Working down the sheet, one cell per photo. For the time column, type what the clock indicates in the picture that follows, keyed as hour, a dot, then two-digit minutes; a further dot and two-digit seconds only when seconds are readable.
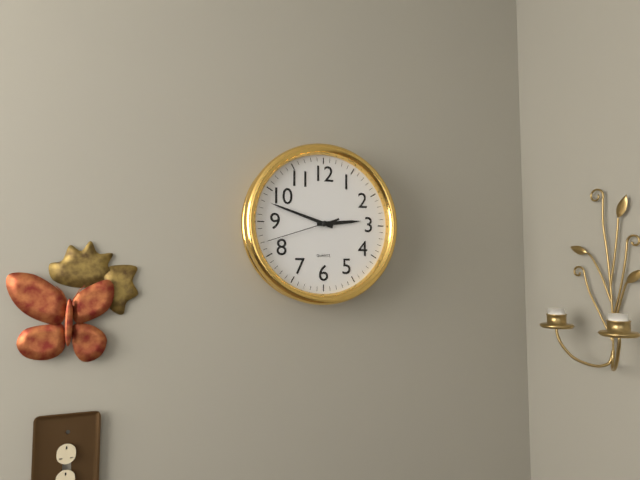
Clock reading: 2.48.42
